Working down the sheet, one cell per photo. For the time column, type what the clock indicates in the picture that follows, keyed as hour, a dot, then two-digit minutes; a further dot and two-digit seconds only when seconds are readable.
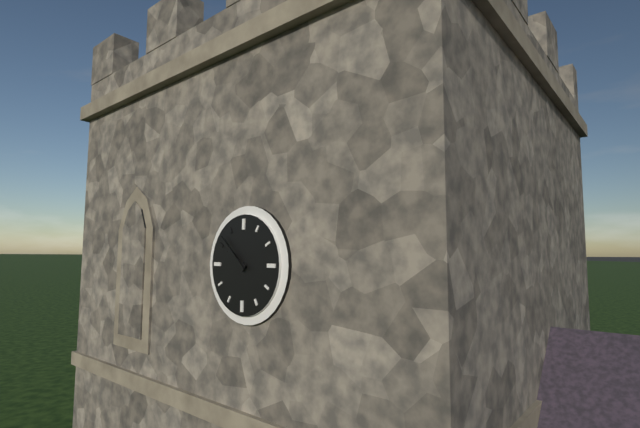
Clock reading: 9.52
